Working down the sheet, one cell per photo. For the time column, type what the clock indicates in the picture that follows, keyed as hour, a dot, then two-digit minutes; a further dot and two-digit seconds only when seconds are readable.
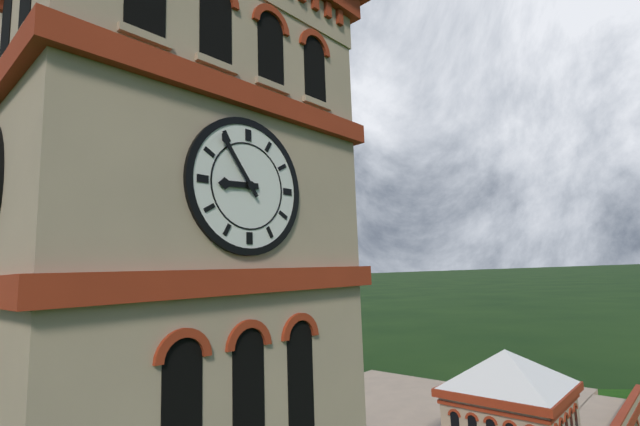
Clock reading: 8.54
